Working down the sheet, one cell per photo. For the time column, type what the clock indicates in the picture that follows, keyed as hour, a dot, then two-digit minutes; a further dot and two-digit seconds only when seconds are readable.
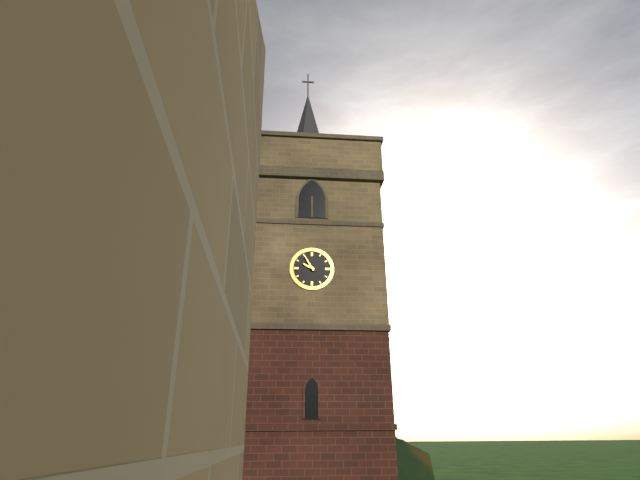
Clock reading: 9.55
